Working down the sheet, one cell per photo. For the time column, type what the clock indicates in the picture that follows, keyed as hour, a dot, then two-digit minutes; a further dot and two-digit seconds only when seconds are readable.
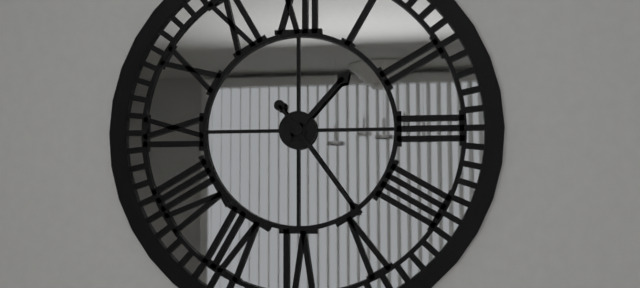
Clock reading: 1.24
